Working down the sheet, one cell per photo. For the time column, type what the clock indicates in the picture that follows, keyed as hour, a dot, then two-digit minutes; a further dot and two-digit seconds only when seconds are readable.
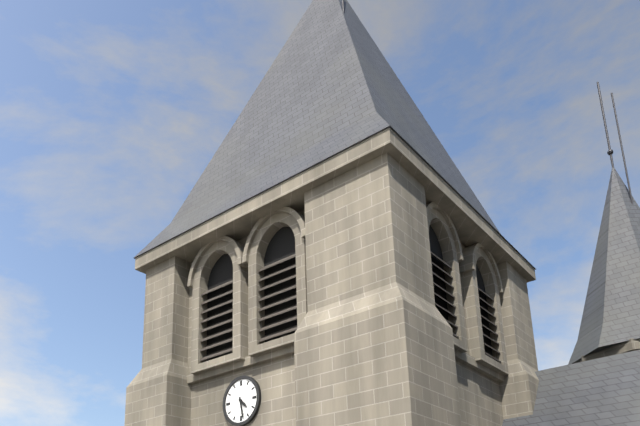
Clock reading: 4.28
